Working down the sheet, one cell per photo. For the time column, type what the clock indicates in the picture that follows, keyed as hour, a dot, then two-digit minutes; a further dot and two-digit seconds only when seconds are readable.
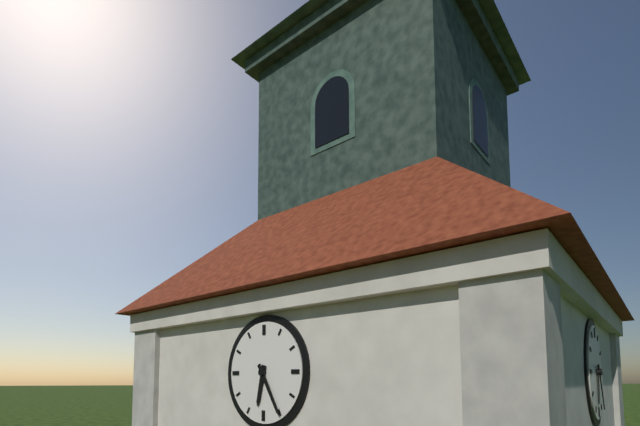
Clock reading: 6.25
